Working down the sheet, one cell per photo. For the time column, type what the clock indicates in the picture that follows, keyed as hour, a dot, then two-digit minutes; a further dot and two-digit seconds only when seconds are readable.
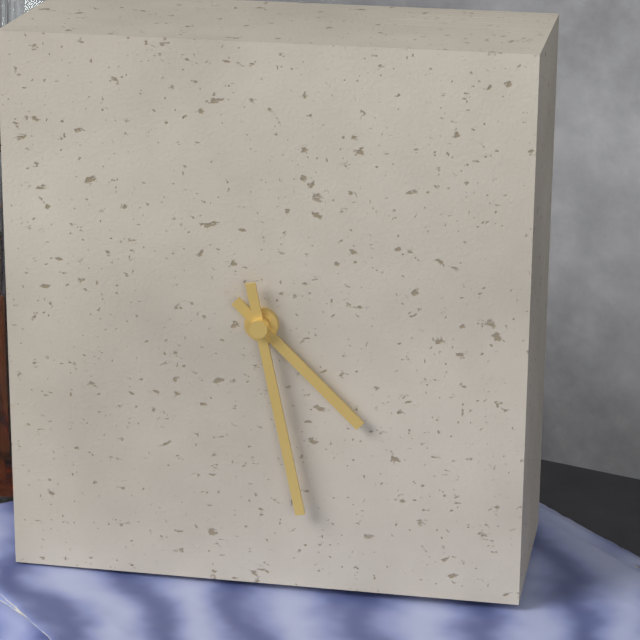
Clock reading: 4.28
